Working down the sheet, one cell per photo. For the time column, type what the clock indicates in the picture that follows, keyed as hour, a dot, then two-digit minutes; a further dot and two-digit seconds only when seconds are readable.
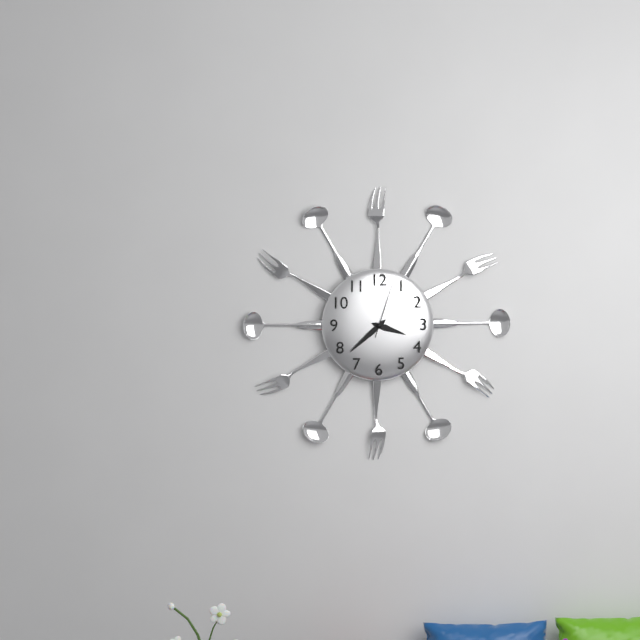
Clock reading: 3.38.03
